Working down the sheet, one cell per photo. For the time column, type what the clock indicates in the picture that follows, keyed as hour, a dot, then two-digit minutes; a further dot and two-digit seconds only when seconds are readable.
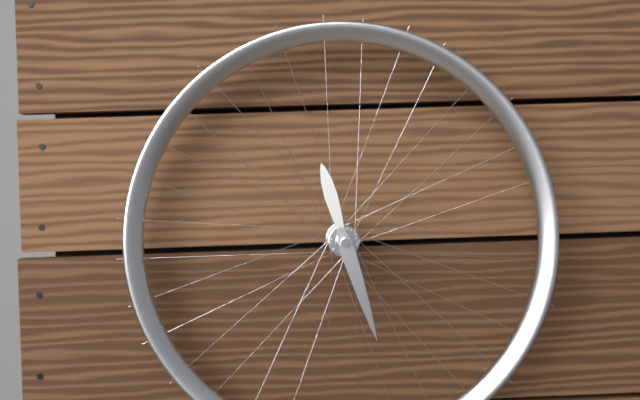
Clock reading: 11.27
